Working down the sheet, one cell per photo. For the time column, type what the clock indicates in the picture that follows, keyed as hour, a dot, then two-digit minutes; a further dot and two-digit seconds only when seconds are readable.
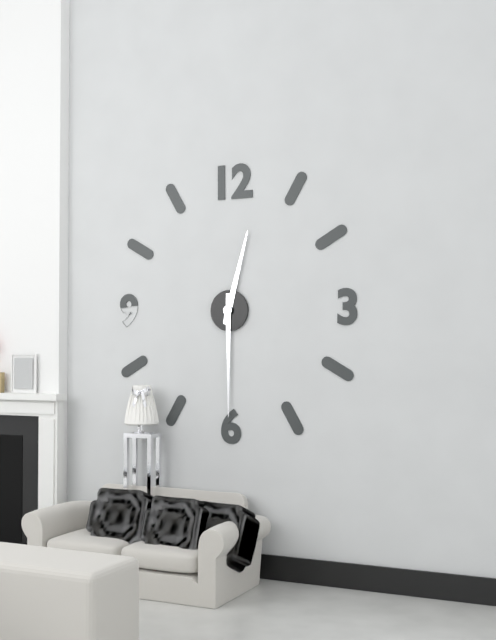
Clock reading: 12.30
